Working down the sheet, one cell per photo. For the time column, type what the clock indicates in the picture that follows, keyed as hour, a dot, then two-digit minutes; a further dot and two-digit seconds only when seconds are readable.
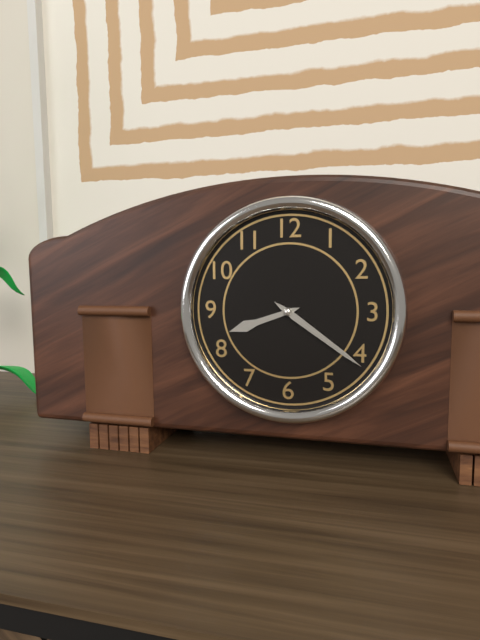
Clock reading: 8.21
